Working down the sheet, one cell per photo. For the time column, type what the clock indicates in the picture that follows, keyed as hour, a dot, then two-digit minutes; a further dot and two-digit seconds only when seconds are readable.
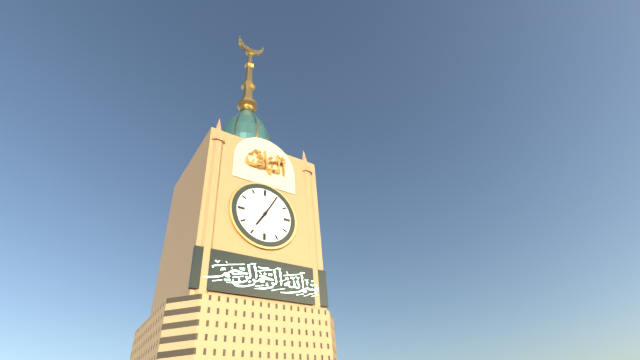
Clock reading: 7.05
